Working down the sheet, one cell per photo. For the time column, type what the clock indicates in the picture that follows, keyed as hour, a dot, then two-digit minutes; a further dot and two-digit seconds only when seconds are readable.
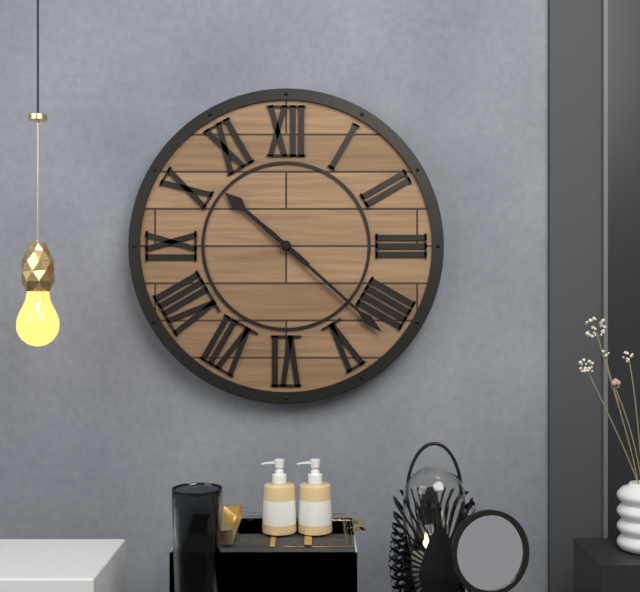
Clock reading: 10.22
